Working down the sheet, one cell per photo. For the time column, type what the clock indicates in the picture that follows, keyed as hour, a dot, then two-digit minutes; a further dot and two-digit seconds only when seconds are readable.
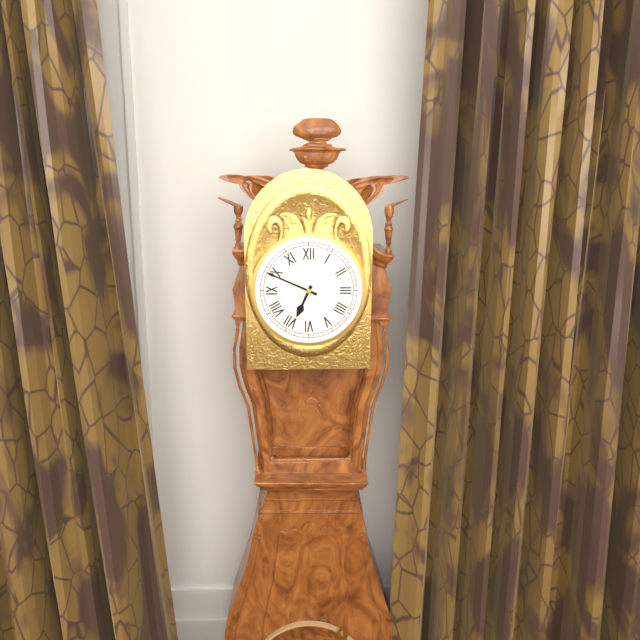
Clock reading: 6.49
